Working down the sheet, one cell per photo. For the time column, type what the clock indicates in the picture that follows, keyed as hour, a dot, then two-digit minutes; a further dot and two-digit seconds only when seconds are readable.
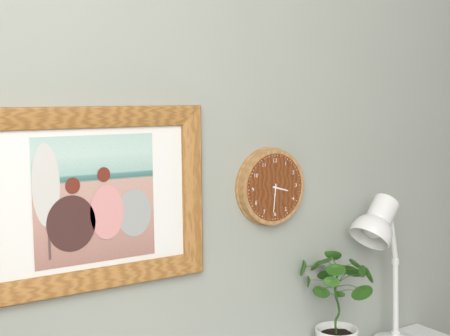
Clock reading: 3.31
